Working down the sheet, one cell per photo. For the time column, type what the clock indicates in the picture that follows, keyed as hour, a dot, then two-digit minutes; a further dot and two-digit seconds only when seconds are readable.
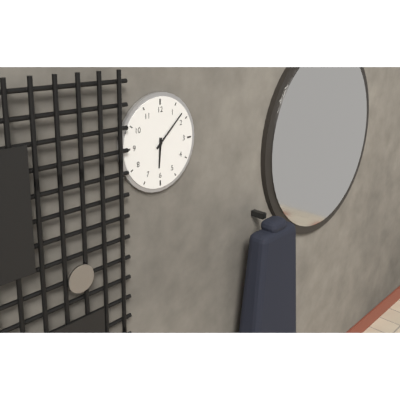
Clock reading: 6.08
